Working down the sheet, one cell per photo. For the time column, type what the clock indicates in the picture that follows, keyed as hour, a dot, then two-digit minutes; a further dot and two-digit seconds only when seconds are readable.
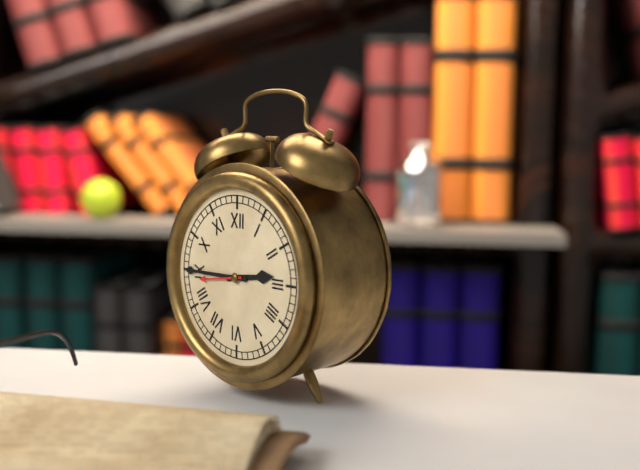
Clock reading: 2.45
